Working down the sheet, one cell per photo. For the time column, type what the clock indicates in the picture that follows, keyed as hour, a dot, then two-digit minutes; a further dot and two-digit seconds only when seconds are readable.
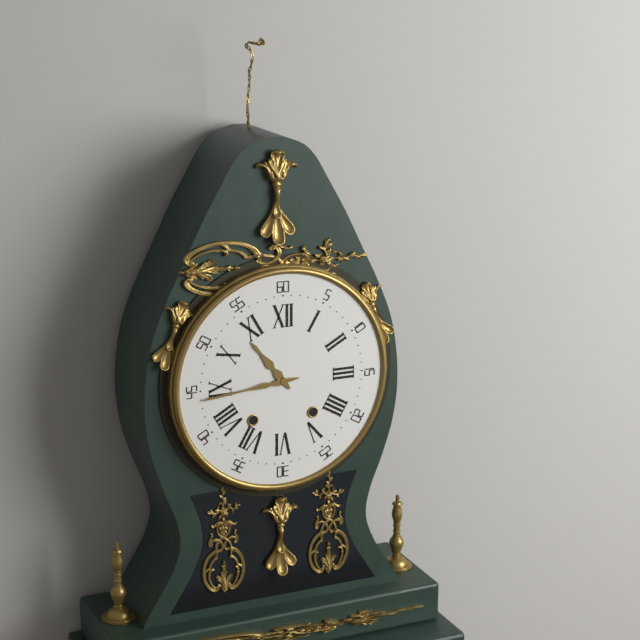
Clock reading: 10.44
